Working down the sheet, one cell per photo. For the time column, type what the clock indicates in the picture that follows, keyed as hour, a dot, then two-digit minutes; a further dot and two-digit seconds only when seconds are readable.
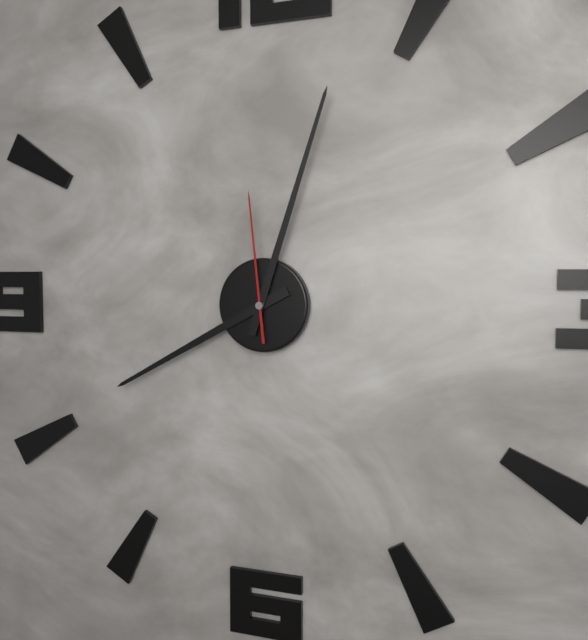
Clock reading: 8.03.59
